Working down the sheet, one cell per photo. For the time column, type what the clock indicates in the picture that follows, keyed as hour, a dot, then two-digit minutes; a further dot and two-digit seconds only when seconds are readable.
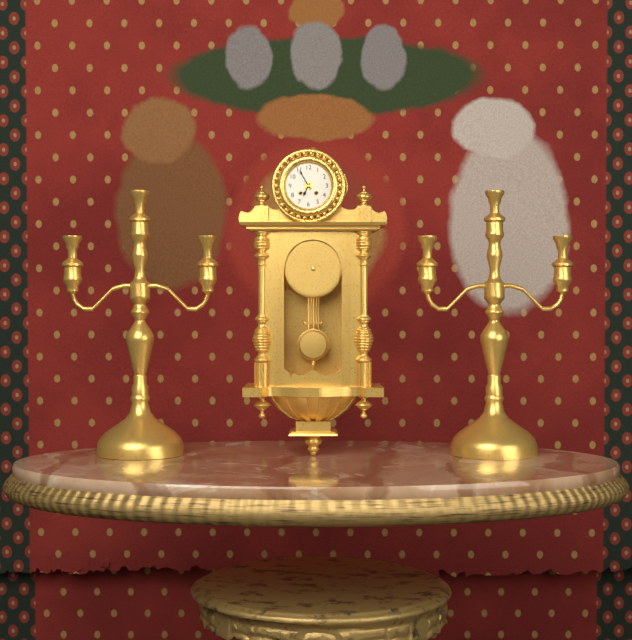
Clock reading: 6.55
